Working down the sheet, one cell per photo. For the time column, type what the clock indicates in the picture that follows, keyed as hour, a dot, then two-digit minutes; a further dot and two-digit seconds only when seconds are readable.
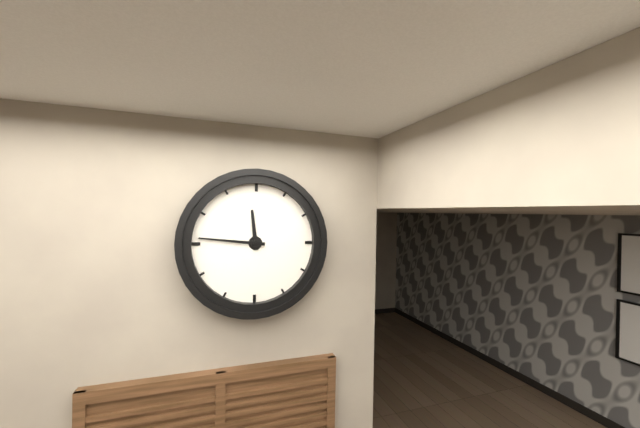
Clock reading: 11.46
